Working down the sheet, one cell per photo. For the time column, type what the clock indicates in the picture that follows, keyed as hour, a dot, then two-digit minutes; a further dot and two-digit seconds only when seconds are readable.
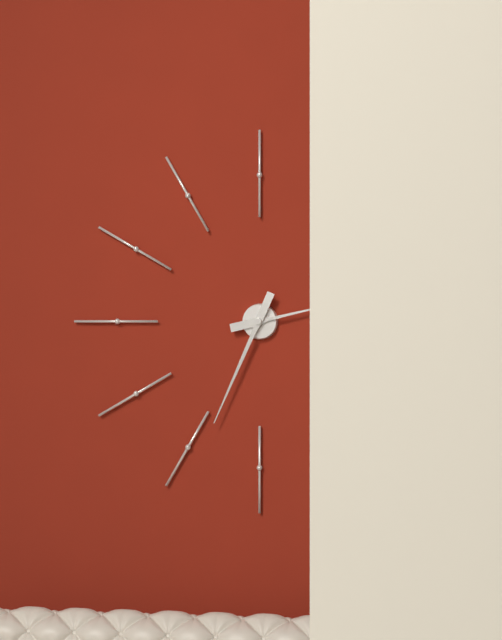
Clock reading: 2.34
